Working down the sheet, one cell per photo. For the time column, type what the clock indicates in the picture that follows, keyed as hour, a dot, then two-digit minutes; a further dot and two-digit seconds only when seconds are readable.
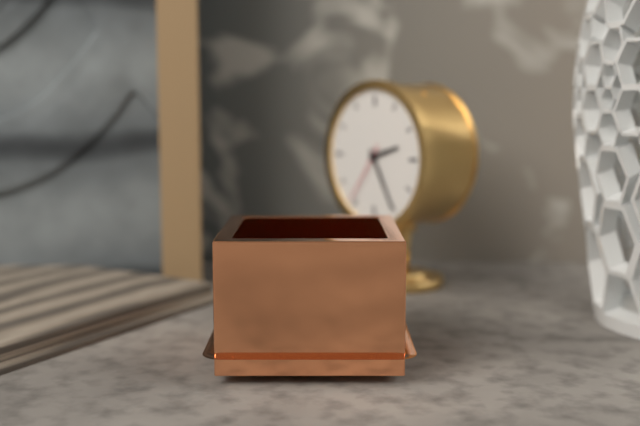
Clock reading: 2.25.36
